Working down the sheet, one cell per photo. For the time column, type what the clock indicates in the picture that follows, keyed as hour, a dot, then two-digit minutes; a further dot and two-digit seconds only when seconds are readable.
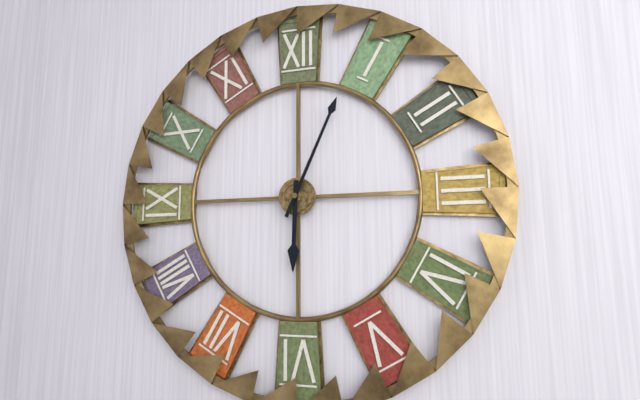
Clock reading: 6.04
